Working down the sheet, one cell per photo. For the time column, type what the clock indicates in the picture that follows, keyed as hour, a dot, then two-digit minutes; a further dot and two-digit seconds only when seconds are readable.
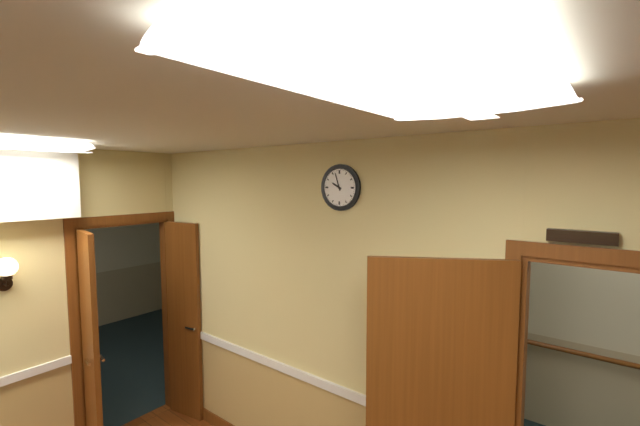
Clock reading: 9.57
